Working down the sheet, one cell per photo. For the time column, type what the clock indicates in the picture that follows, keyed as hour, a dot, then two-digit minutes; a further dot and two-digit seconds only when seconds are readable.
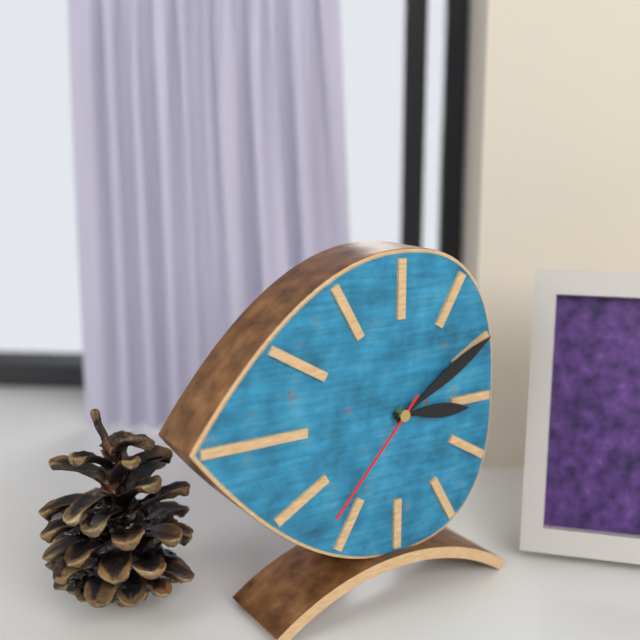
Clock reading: 3.10.37
